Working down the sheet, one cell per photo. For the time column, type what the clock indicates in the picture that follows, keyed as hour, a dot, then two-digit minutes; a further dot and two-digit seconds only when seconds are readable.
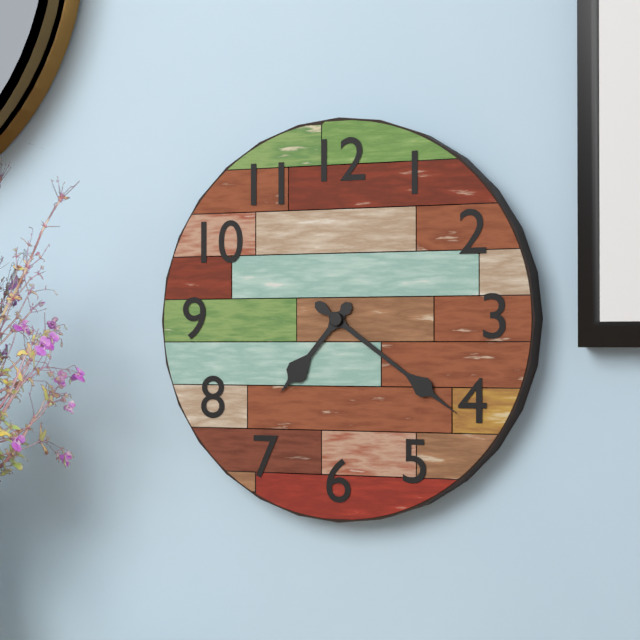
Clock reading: 7.21
